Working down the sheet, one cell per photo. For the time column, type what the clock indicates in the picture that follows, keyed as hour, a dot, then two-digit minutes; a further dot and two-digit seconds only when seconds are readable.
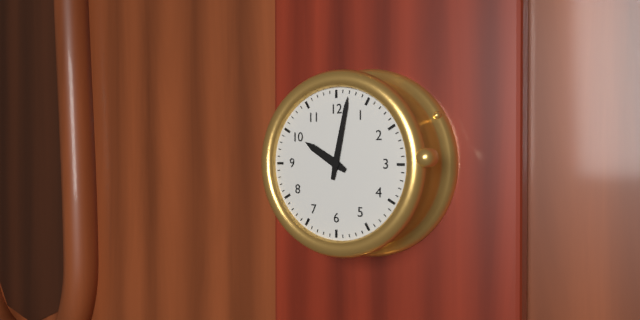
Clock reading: 10.02
